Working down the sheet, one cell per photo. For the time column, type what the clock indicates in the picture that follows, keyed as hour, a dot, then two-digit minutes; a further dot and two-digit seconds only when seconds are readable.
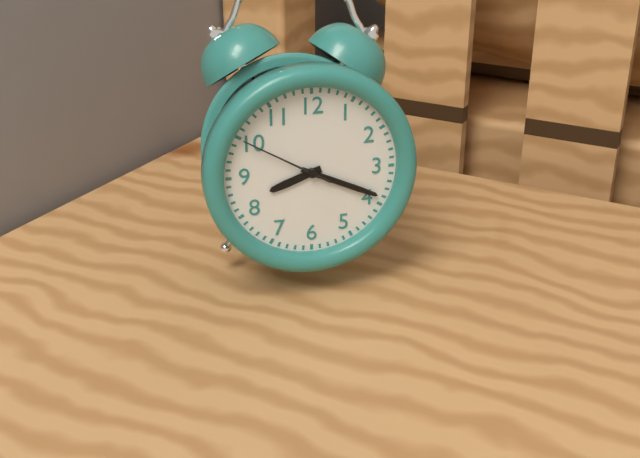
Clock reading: 8.19.50
